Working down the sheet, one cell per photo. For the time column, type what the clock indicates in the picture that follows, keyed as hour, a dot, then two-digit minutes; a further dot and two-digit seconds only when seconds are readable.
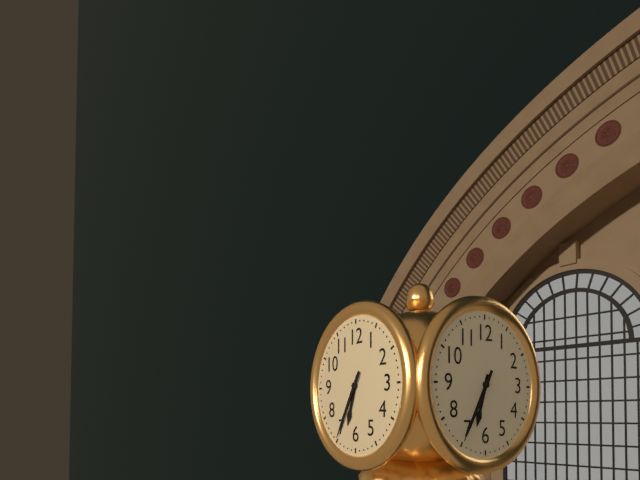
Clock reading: 6.35
